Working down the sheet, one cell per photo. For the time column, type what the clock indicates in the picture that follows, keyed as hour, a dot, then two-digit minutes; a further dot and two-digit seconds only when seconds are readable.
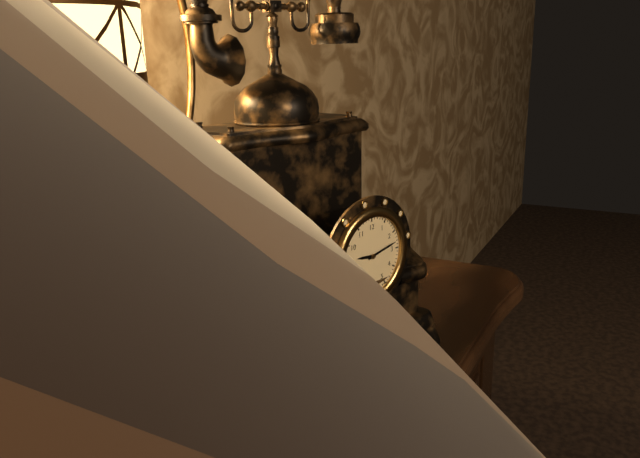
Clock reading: 9.13
